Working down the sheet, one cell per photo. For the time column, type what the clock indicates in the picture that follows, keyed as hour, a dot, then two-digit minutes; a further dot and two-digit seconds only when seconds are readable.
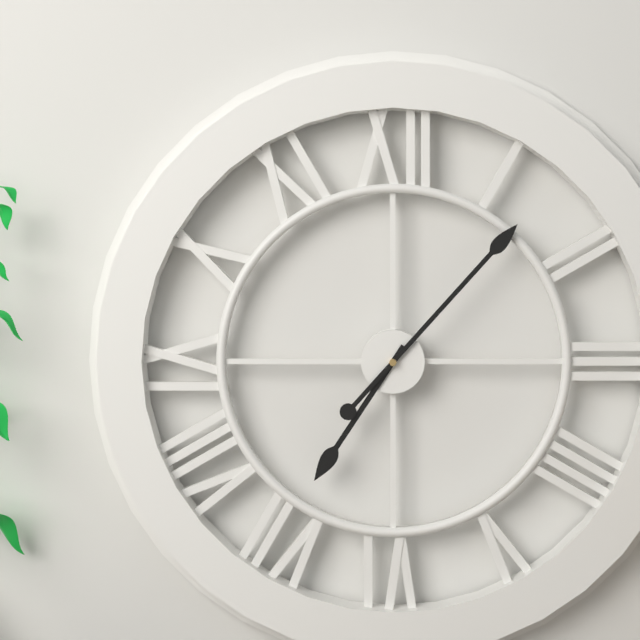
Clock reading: 7.07
